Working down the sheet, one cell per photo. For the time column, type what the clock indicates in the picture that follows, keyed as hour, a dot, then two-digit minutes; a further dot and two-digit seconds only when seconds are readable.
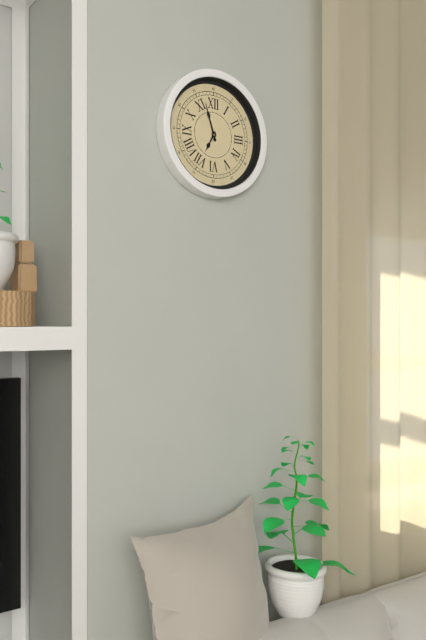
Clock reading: 6.57
